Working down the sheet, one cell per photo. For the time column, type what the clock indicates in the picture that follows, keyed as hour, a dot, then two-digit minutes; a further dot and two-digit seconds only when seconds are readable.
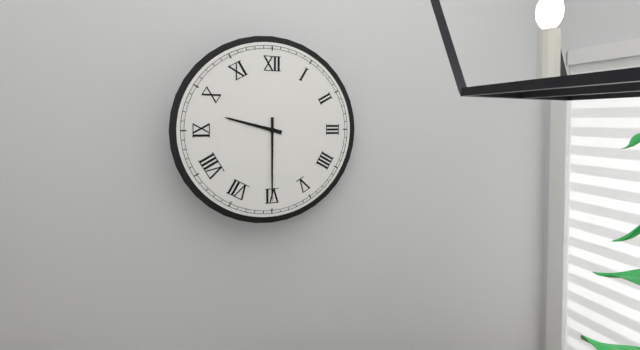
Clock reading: 9.30
